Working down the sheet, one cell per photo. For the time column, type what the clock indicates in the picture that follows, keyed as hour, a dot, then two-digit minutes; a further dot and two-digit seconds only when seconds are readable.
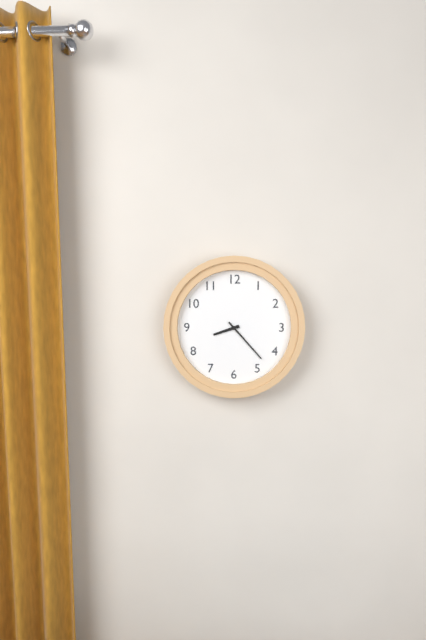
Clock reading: 8.23
